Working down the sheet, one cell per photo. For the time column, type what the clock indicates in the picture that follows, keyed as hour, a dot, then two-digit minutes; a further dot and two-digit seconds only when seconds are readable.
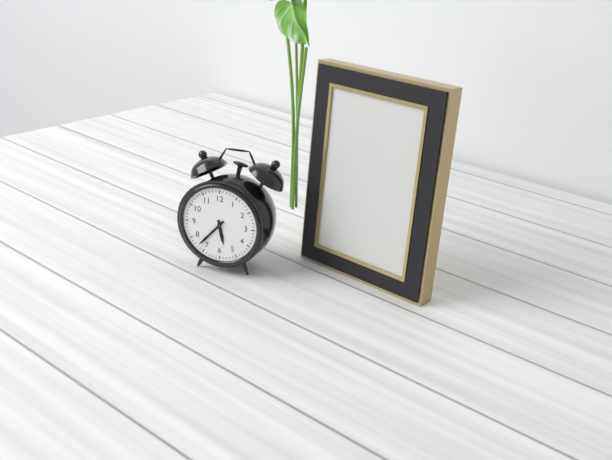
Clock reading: 5.37
